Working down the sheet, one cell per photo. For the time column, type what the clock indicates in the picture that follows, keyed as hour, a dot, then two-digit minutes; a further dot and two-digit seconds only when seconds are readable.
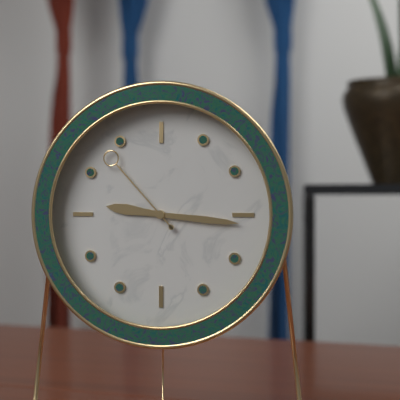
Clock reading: 9.16.53
